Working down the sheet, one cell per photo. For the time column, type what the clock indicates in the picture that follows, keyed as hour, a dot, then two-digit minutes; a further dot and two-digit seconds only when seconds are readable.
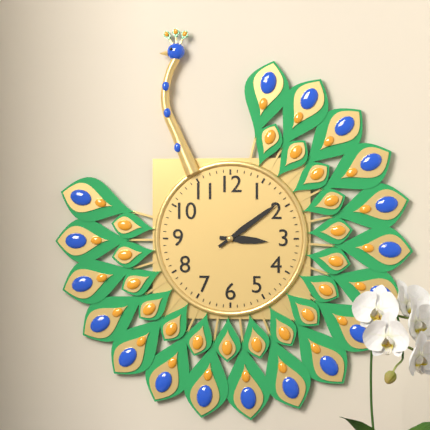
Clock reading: 3.09
